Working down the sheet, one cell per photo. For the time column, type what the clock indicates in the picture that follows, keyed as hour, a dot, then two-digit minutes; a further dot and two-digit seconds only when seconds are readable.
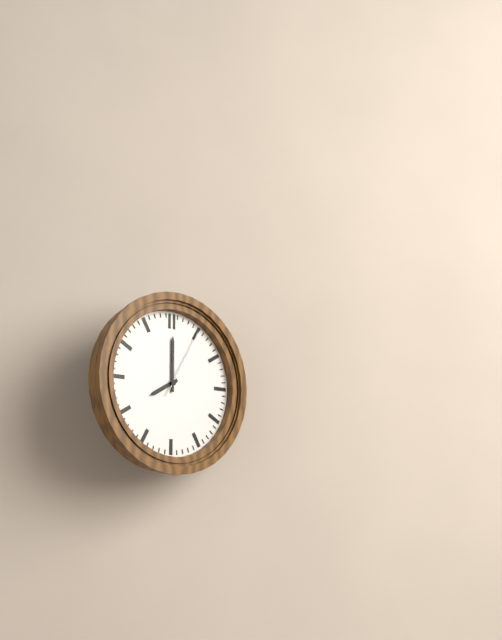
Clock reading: 8.00.05
